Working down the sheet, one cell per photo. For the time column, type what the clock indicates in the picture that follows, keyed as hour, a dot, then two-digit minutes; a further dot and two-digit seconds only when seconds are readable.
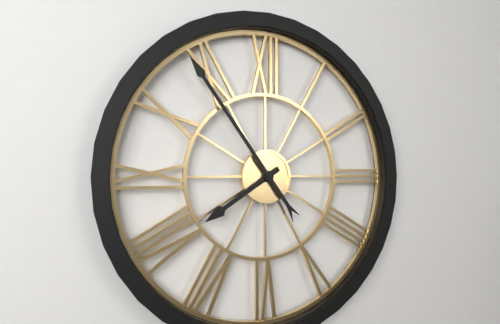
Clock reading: 7.54
